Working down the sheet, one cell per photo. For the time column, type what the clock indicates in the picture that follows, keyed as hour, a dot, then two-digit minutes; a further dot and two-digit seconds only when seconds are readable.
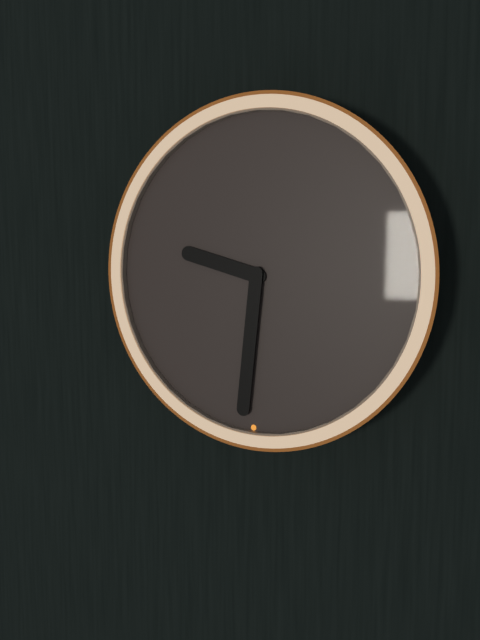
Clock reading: 9.31
